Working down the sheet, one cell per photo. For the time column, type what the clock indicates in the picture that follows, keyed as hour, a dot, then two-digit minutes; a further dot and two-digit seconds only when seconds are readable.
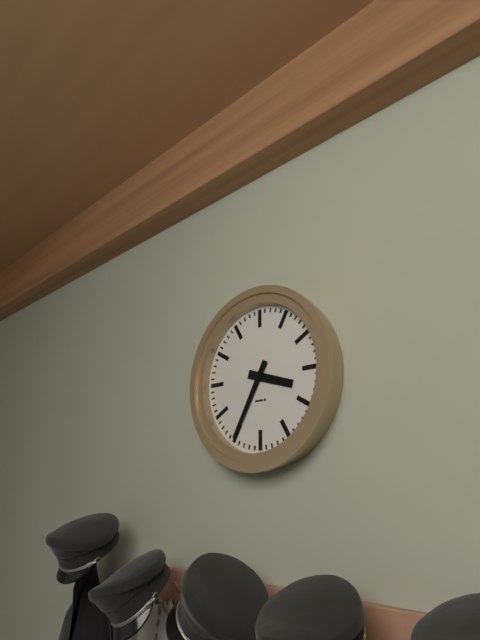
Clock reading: 3.35
